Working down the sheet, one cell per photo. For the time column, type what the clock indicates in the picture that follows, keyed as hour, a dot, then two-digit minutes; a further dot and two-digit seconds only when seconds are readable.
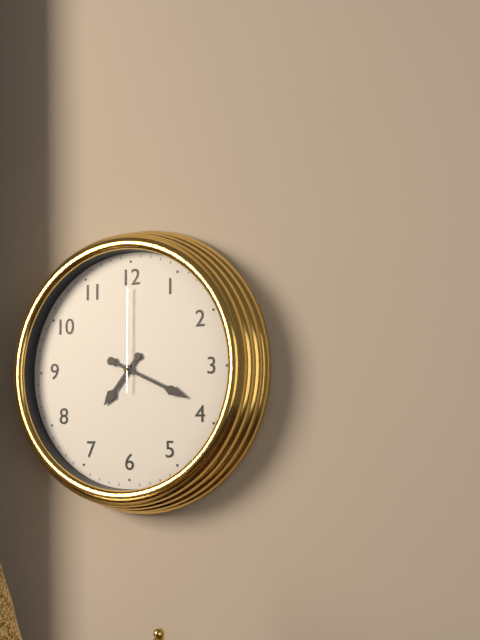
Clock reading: 7.19.00
